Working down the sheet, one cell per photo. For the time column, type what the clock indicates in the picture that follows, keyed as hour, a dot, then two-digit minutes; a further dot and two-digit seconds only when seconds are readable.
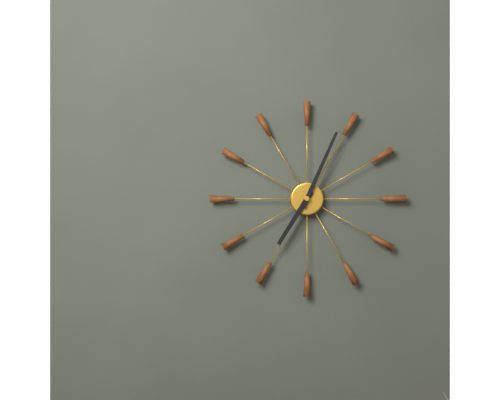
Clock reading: 7.04
